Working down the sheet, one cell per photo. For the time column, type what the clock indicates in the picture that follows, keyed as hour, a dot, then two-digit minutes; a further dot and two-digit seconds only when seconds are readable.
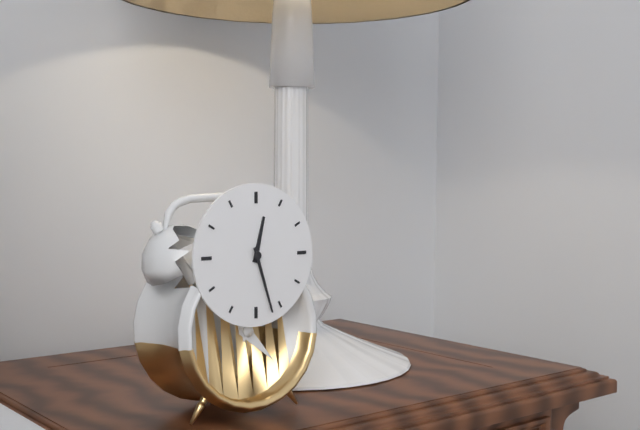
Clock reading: 12.27
